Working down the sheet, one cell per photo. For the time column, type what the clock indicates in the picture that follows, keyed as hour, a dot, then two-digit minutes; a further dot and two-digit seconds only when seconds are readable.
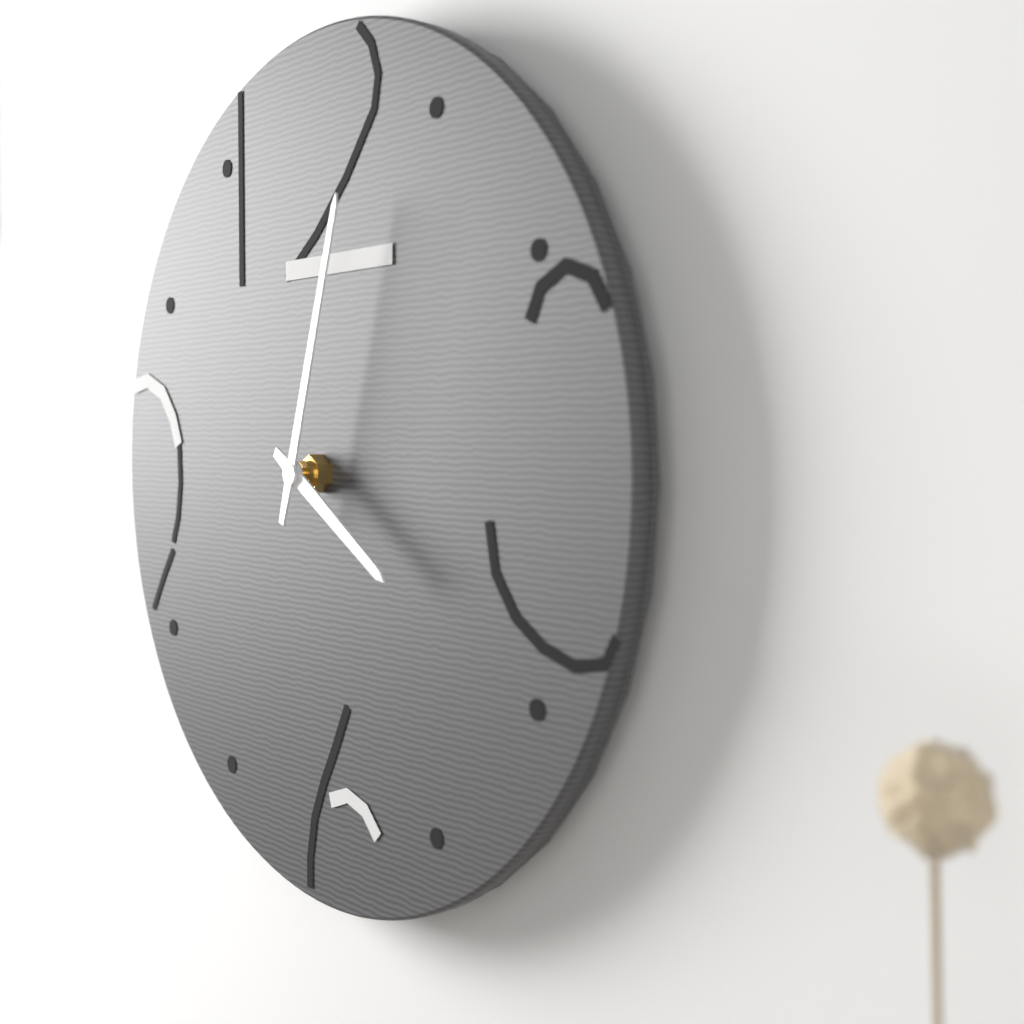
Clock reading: 4.03
